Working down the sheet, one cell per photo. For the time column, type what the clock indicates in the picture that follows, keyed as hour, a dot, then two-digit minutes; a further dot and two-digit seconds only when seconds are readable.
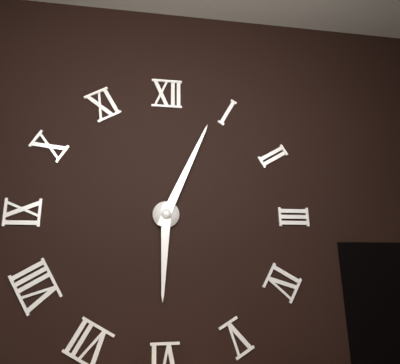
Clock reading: 6.04
